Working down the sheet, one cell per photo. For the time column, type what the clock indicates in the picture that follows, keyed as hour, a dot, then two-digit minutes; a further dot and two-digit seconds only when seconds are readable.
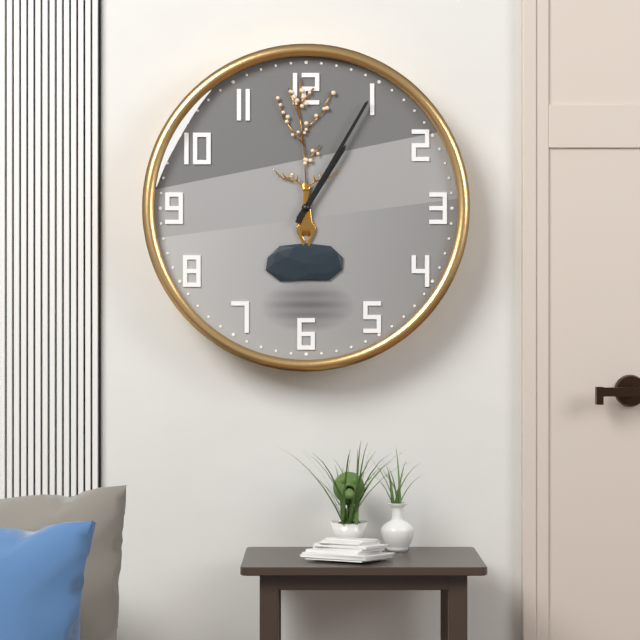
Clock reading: 1.05
